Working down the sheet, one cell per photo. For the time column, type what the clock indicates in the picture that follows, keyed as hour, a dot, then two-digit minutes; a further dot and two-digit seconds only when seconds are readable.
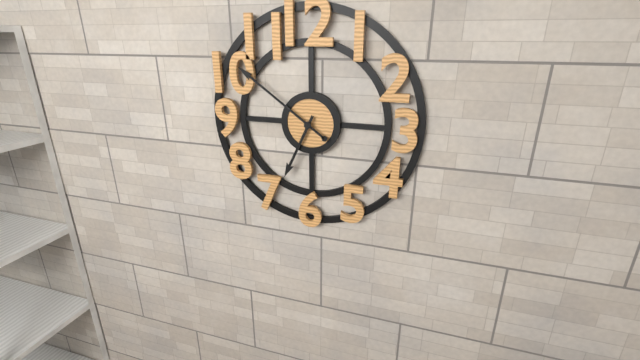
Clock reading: 6.51
